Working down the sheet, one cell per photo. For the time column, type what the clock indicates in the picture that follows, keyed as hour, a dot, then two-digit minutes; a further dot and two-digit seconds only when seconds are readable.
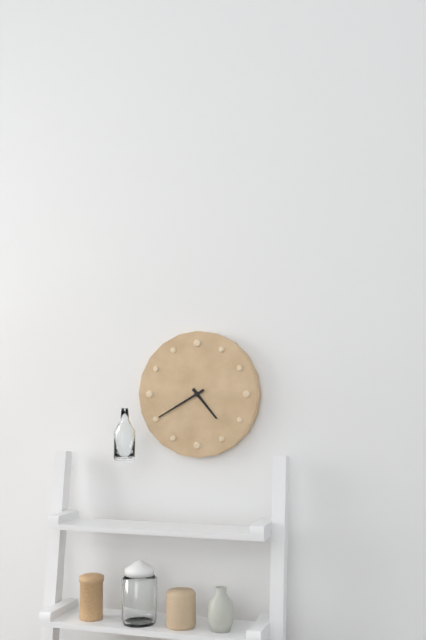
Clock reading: 4.40
